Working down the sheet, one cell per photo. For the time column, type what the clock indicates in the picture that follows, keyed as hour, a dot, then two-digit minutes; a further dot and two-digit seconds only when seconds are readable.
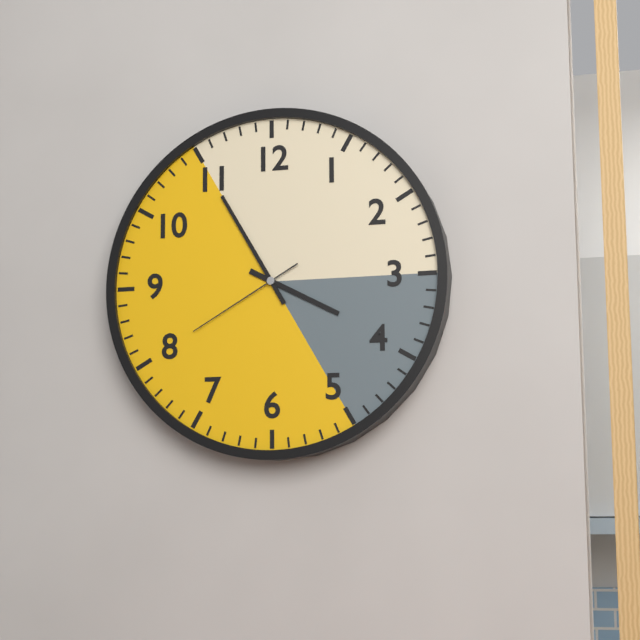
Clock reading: 3.55.40
